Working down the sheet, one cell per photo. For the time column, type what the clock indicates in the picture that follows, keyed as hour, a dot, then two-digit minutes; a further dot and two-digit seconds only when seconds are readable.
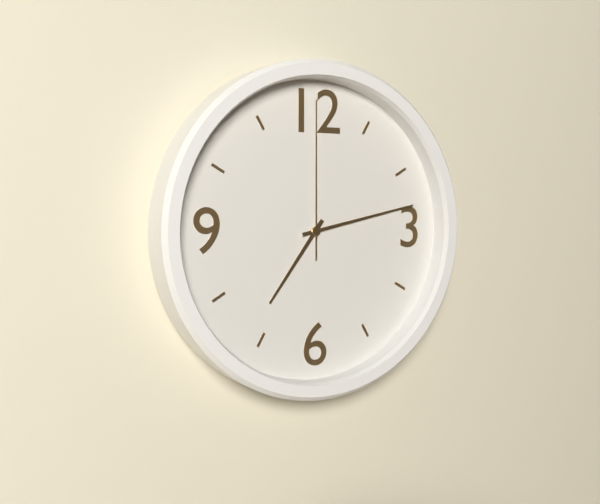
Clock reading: 7.13.00
